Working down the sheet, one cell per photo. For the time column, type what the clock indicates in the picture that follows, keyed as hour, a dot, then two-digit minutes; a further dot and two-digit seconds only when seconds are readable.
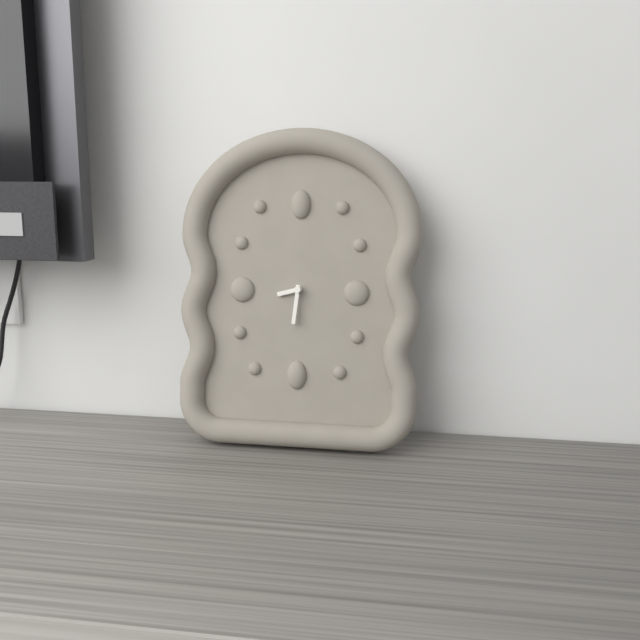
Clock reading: 8.31
